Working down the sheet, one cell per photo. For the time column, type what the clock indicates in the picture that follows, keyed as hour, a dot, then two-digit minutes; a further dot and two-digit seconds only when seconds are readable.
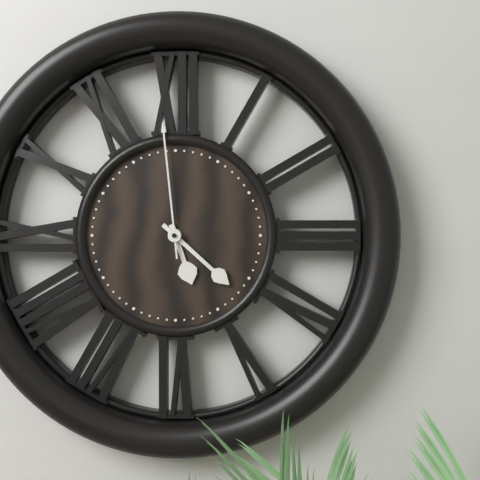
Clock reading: 5.22.59
